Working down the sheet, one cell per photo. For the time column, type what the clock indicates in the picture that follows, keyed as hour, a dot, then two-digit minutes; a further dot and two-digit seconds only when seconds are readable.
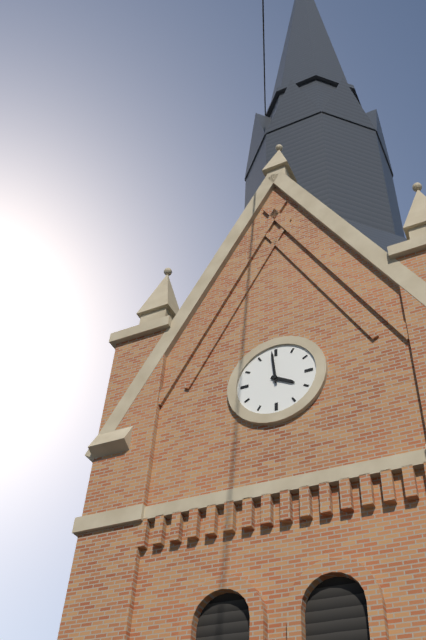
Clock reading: 3.59
